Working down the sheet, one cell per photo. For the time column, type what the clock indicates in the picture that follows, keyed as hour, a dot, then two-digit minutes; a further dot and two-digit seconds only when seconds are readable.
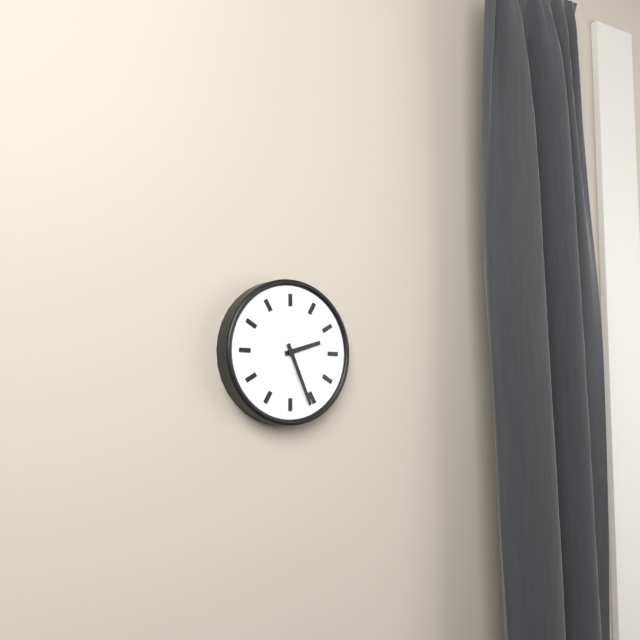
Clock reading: 2.26
